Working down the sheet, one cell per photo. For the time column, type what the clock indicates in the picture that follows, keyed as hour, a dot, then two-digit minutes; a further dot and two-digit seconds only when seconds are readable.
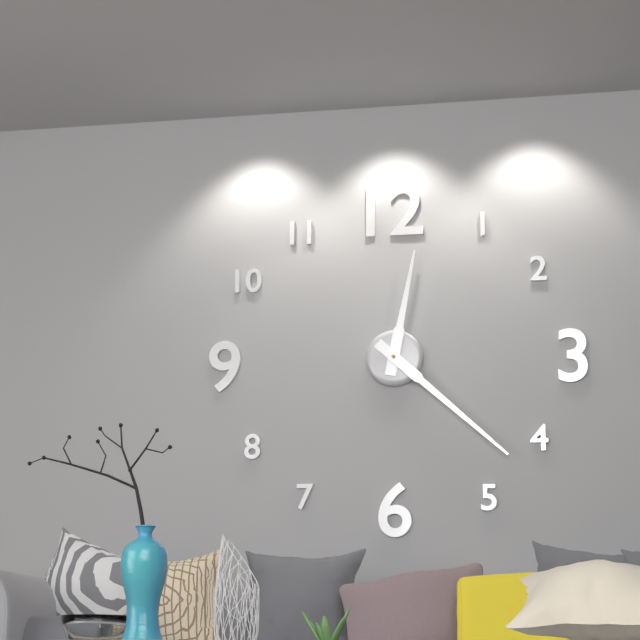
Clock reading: 12.22
